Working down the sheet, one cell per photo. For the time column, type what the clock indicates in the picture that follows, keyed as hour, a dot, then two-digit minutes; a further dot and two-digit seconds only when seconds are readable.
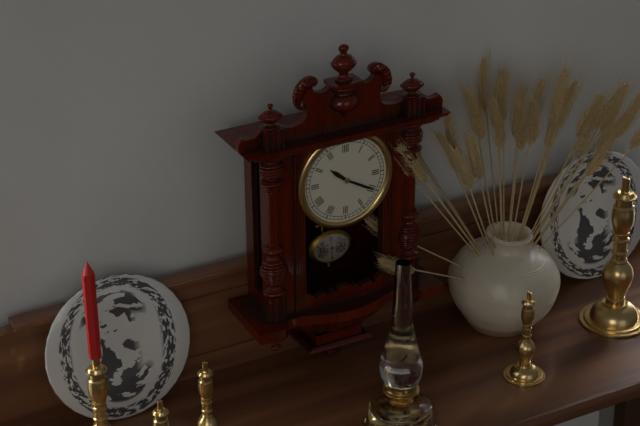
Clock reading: 10.20
